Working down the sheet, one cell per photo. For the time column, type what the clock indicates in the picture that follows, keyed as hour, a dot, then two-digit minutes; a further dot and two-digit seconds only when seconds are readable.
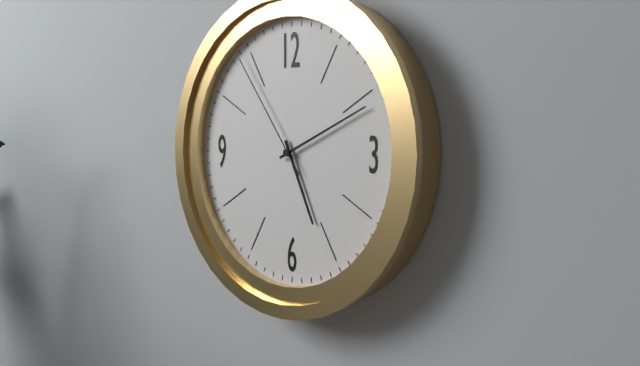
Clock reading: 5.11.54
